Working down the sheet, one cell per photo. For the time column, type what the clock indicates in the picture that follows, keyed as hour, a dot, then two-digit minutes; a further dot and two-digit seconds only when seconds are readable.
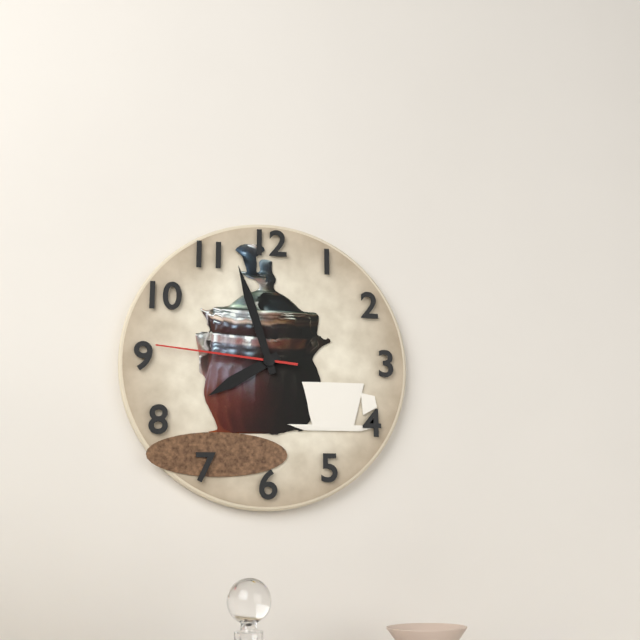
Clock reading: 7.57.46
